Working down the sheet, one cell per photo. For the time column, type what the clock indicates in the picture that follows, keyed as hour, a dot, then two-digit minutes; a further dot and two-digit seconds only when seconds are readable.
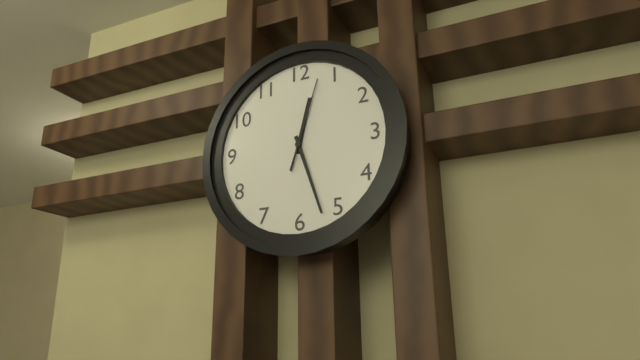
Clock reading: 12.27.03
